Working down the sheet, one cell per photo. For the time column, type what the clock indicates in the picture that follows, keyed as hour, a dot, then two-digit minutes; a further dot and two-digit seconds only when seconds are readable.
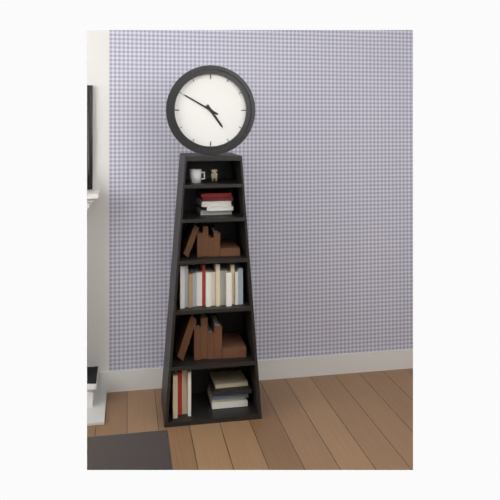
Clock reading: 4.50
